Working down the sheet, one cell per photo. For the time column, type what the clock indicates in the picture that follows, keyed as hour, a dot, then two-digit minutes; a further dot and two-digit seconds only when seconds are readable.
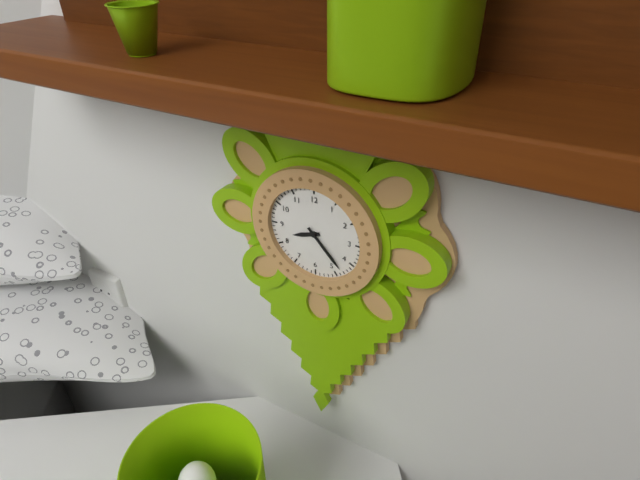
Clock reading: 8.23
